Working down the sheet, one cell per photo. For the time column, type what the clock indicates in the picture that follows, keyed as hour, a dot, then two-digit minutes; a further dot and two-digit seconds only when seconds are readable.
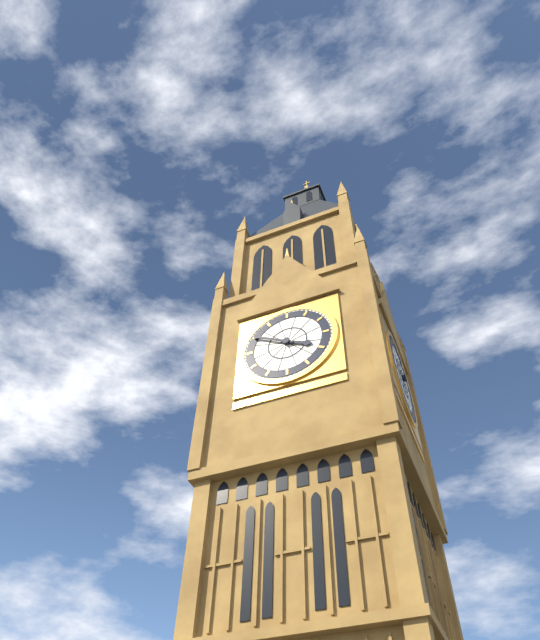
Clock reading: 3.50
